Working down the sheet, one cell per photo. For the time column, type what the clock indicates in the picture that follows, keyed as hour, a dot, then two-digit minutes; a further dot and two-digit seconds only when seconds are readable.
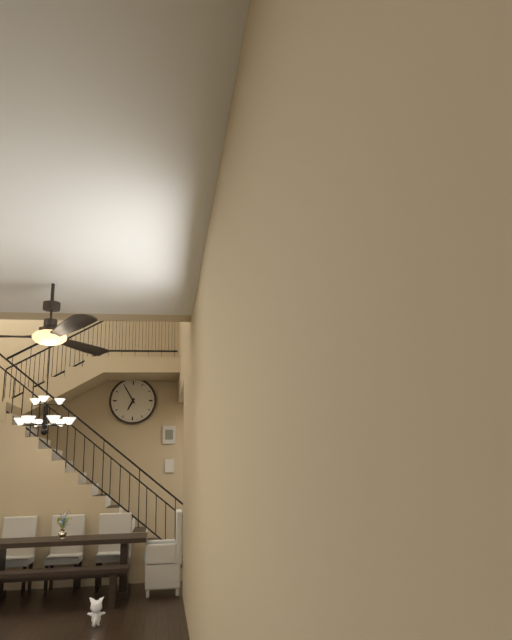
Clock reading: 6.55
